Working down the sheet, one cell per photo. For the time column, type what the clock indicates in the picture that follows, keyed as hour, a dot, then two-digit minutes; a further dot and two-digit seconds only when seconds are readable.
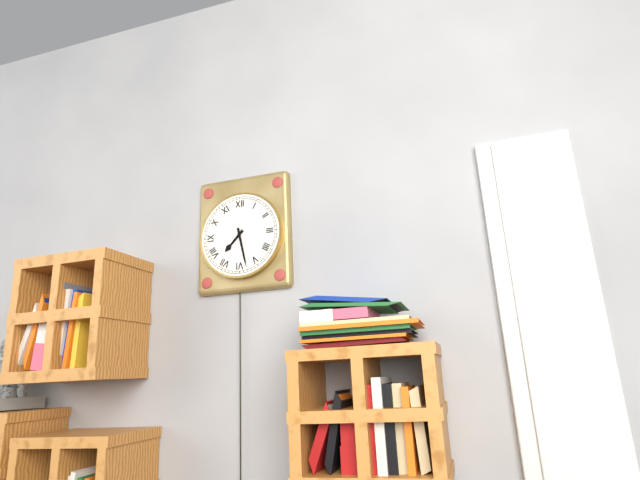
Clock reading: 7.28
